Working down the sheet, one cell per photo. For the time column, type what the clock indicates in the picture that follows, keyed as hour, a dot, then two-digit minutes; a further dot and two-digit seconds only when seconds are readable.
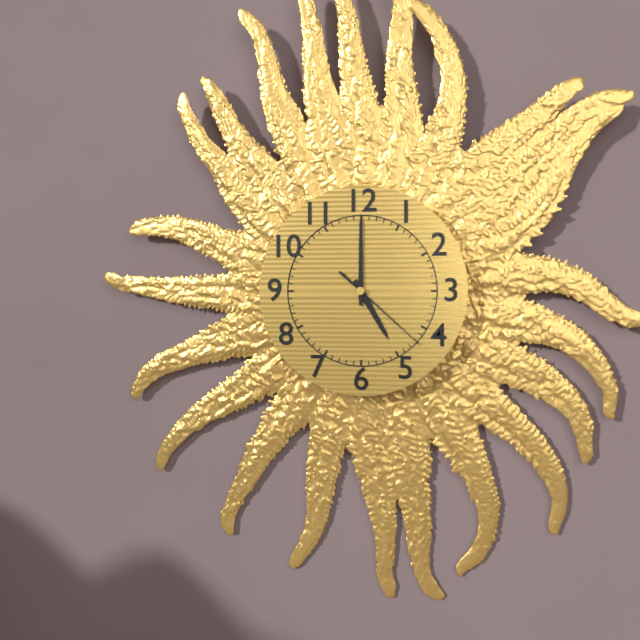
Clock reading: 5.00.22
